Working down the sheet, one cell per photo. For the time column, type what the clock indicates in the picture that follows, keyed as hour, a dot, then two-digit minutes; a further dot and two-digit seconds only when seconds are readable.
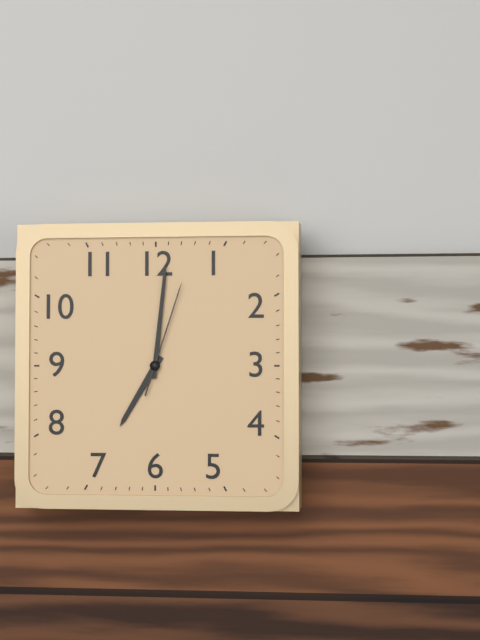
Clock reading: 7.01.03
